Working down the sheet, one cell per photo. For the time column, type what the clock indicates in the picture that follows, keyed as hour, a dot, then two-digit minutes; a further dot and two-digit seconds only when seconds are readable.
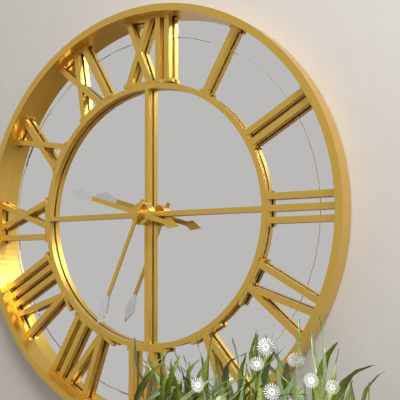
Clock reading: 9.34
